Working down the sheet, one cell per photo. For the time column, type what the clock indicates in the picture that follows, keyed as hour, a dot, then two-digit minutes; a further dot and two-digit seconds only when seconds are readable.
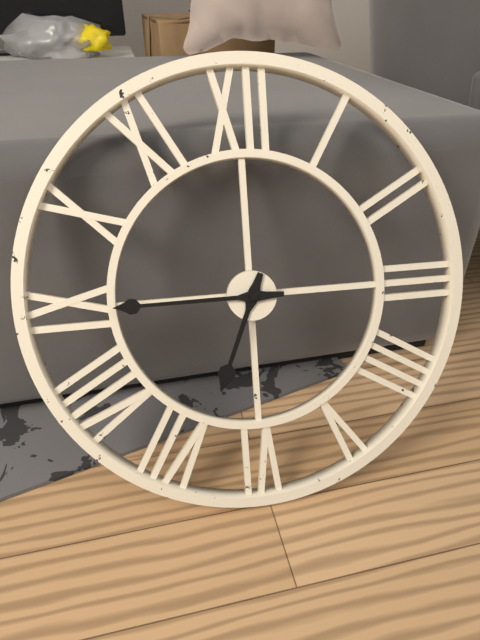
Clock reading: 6.45
